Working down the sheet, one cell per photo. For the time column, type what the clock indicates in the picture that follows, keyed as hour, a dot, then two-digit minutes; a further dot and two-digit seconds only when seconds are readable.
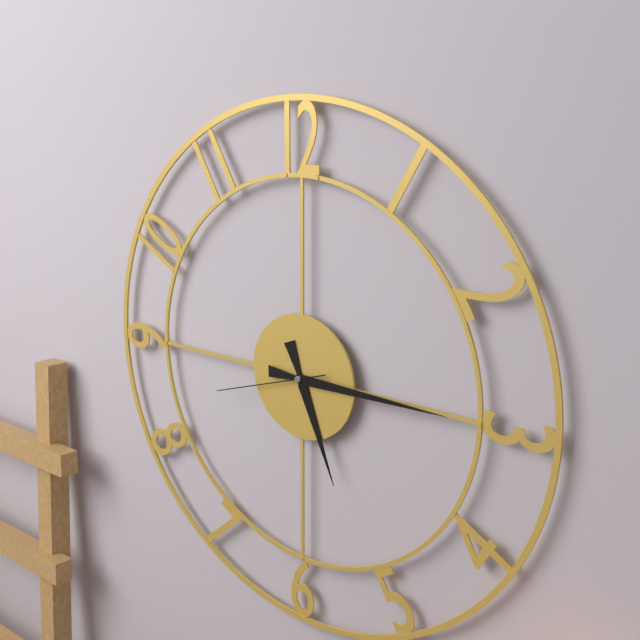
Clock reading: 5.15.42
